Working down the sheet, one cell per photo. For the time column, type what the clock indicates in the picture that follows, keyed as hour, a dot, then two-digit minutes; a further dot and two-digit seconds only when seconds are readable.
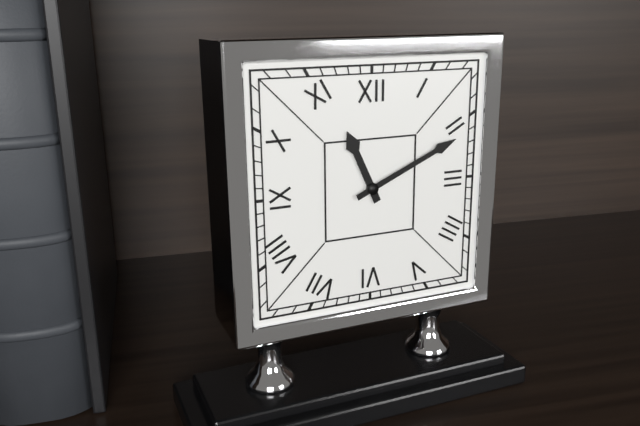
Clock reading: 11.11
